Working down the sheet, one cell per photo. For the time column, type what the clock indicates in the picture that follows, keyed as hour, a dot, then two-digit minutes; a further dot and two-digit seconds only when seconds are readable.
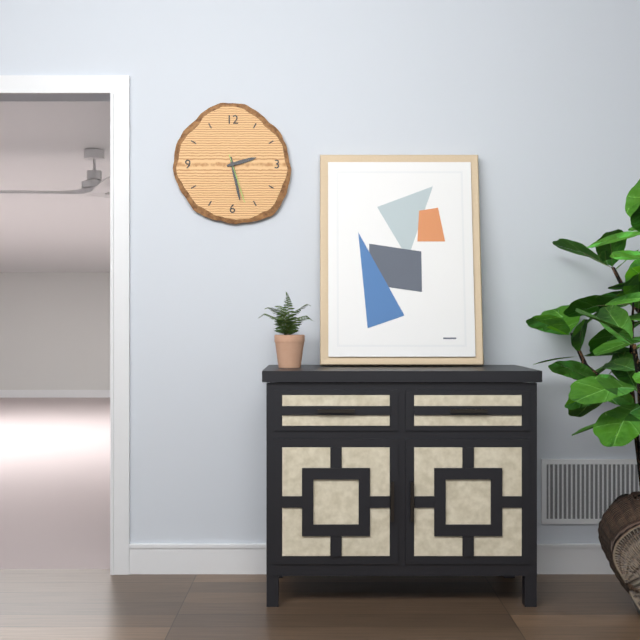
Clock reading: 2.28
